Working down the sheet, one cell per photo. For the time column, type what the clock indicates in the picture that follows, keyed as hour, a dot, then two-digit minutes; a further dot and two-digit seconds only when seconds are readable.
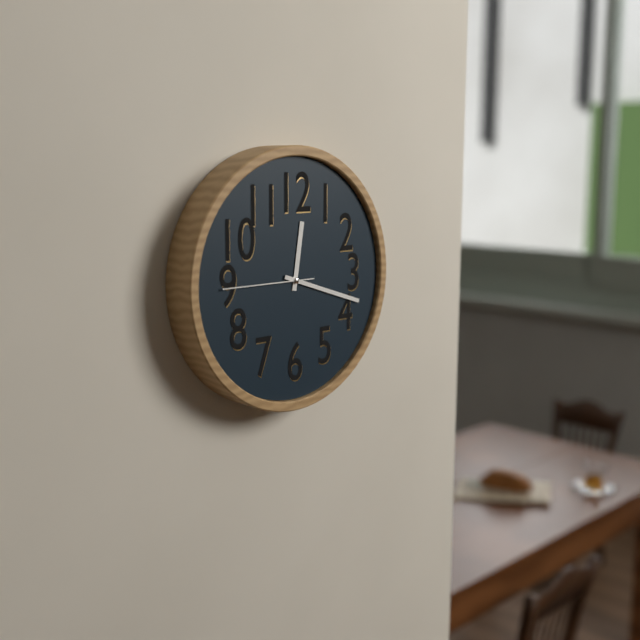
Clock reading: 12.18.45
